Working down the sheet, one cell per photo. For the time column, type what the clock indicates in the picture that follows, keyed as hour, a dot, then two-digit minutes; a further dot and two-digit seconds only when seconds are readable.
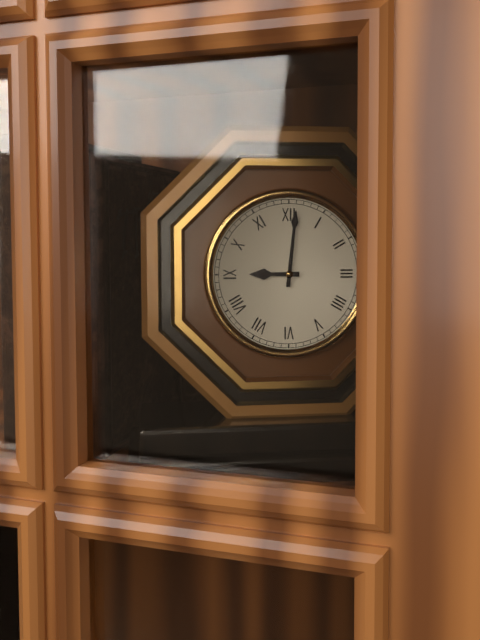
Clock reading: 9.01
